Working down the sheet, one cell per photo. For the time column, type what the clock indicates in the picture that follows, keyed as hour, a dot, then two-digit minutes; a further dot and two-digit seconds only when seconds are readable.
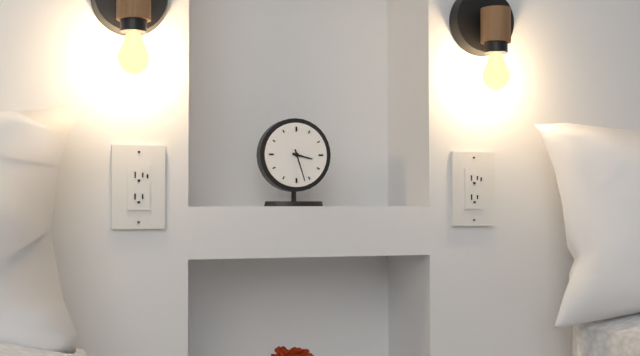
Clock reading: 3.27
